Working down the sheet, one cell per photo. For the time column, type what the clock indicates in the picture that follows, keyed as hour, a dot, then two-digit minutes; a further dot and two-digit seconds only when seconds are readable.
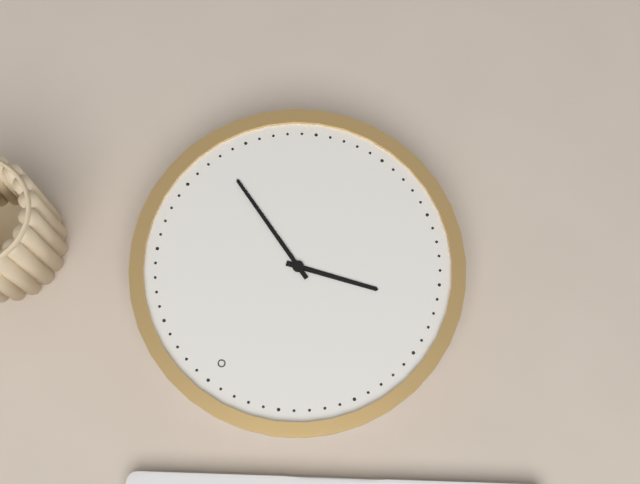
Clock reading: 8.18
